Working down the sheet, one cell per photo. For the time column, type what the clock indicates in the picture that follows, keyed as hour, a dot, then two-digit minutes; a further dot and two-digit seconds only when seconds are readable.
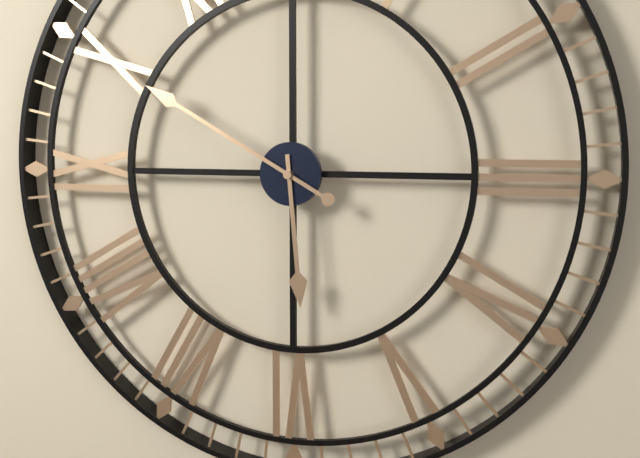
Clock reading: 5.50
